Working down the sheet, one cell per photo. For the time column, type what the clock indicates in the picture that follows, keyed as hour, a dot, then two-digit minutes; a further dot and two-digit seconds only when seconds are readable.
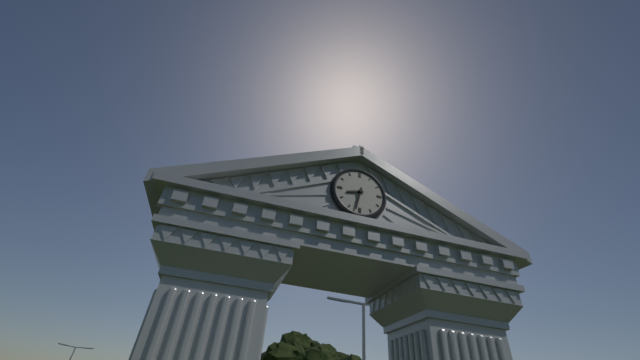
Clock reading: 8.32
